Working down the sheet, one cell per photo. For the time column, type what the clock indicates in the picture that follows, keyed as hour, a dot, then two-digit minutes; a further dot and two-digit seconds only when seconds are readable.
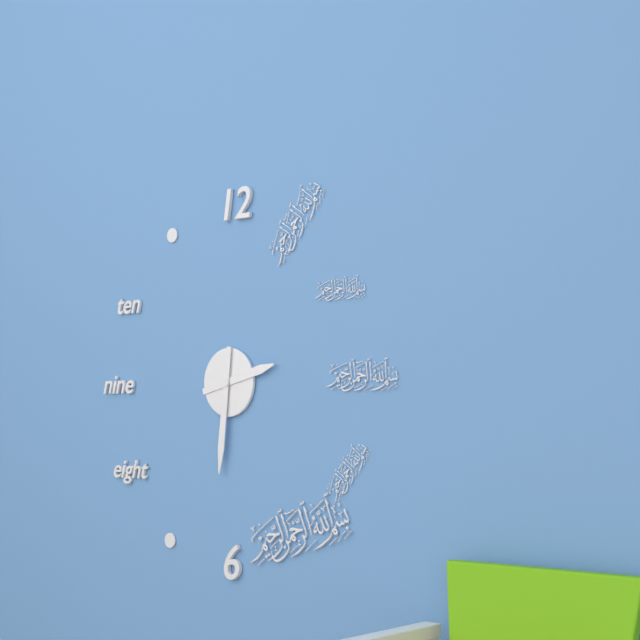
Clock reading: 2.31
